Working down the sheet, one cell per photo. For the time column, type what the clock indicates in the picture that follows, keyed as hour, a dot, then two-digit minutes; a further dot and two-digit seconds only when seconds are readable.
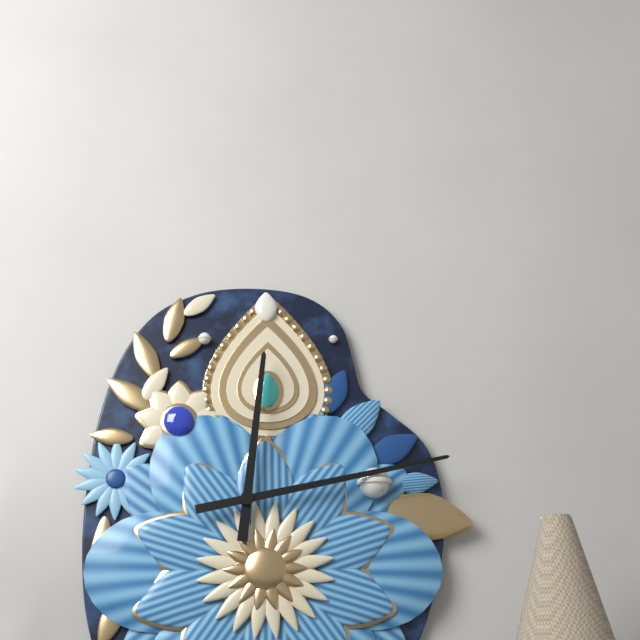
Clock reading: 12.13
